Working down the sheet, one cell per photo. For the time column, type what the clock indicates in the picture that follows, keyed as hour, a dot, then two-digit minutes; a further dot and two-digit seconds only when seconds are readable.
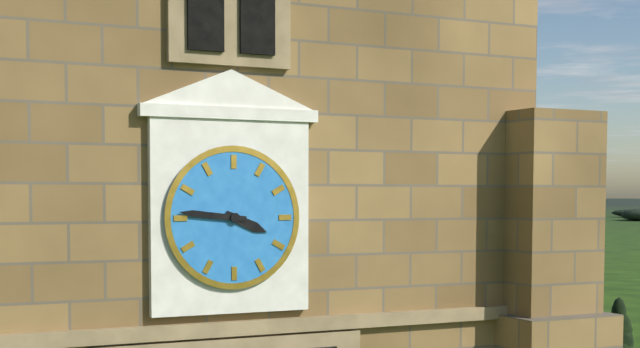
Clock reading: 3.46
